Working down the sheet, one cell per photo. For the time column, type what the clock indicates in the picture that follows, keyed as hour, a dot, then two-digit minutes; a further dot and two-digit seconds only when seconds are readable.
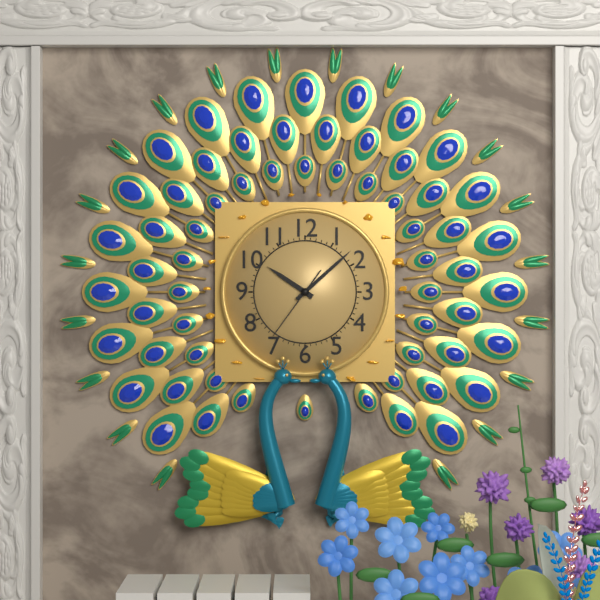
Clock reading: 10.08.36
